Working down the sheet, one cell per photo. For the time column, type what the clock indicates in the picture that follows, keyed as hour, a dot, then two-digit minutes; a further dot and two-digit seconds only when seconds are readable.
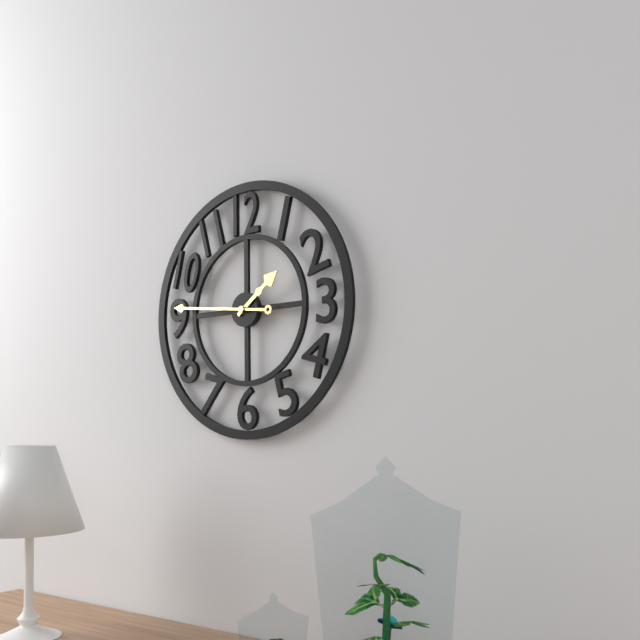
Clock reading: 1.46
